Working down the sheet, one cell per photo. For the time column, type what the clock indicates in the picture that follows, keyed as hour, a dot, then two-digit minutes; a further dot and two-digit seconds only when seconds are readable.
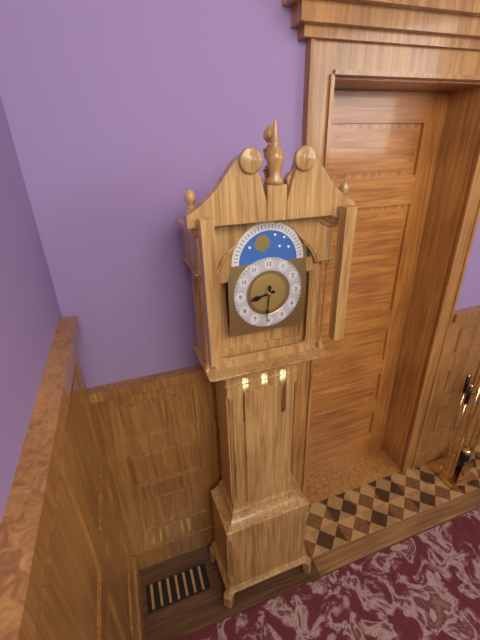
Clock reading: 8.31
